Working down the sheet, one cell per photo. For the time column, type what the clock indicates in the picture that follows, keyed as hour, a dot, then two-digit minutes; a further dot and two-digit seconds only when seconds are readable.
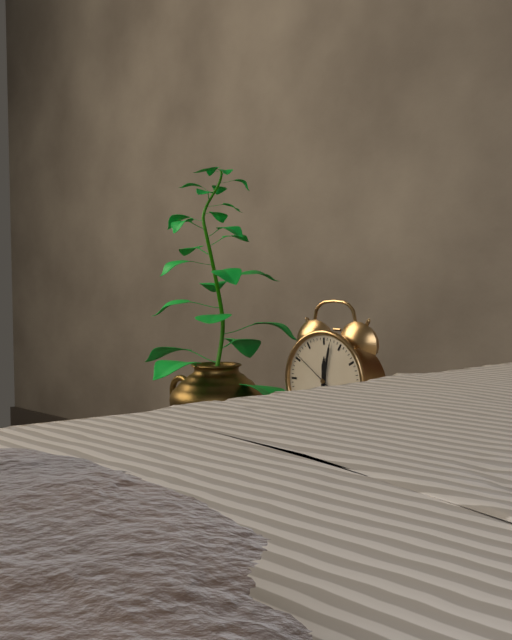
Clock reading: 12.02
